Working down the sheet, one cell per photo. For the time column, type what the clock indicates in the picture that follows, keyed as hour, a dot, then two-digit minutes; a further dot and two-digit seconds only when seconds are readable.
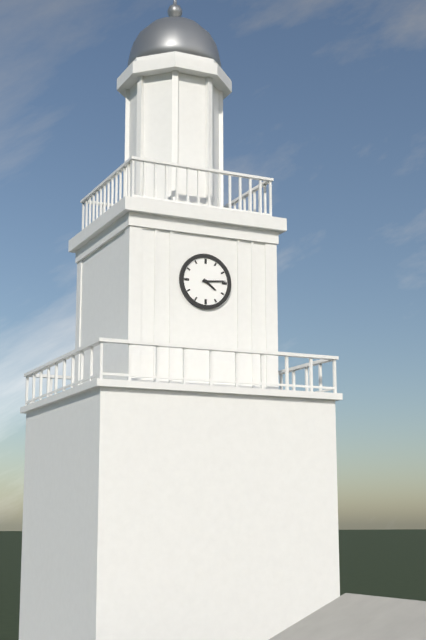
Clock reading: 4.14
